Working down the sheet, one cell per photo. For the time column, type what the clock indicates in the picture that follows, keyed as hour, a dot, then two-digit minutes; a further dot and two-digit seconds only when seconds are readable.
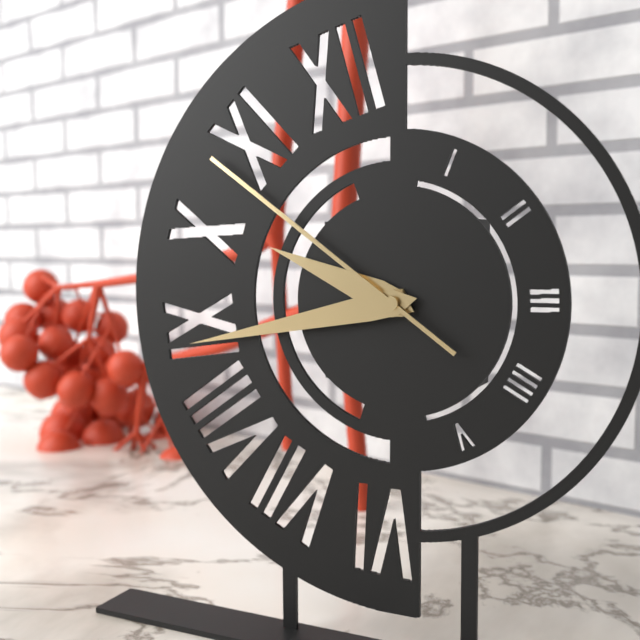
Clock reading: 9.43.51
